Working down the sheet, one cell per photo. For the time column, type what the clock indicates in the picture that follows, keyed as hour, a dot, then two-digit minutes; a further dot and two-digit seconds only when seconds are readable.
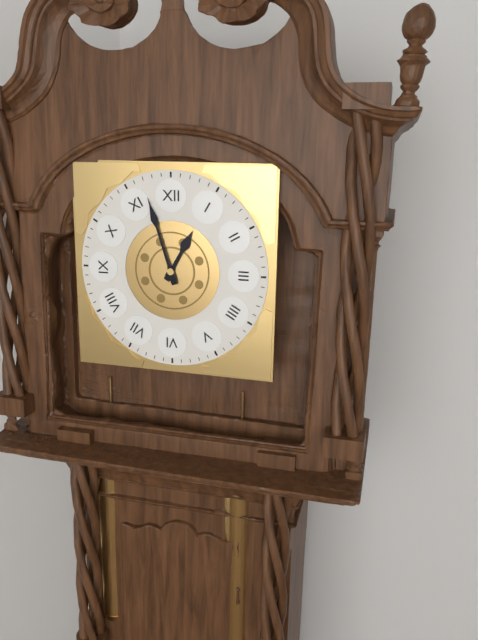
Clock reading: 12.57
